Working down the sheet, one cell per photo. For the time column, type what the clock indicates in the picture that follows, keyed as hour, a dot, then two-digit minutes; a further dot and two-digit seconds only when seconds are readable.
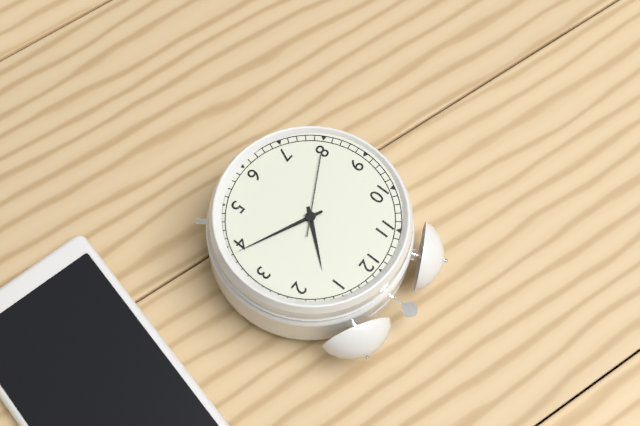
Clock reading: 1.19.40
